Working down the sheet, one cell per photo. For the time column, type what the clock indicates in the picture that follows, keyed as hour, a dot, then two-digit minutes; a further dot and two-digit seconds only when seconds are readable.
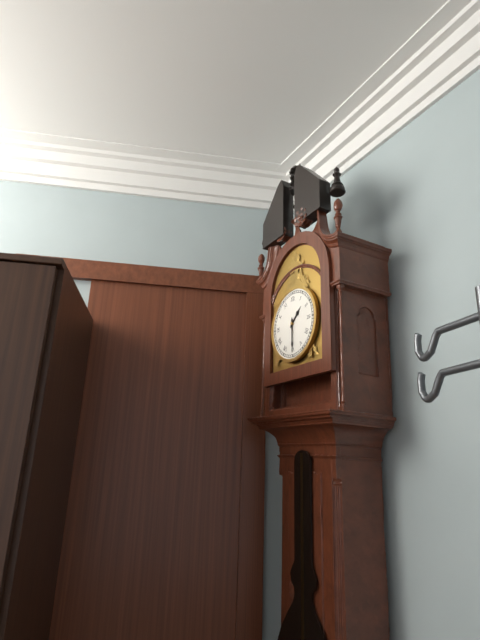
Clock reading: 1.30
